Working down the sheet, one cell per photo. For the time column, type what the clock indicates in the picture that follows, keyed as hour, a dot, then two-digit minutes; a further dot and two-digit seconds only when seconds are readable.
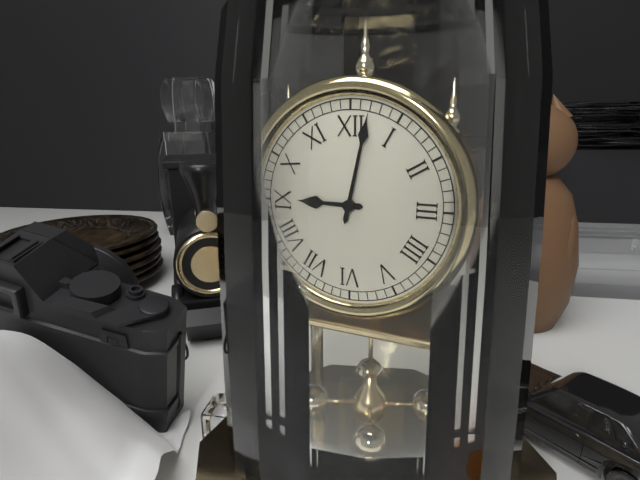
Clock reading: 9.02
